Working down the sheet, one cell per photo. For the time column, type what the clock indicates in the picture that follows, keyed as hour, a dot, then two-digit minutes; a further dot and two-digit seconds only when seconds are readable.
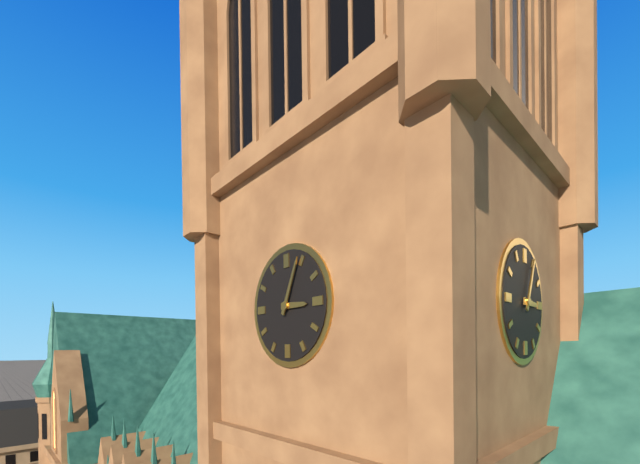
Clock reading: 3.04
